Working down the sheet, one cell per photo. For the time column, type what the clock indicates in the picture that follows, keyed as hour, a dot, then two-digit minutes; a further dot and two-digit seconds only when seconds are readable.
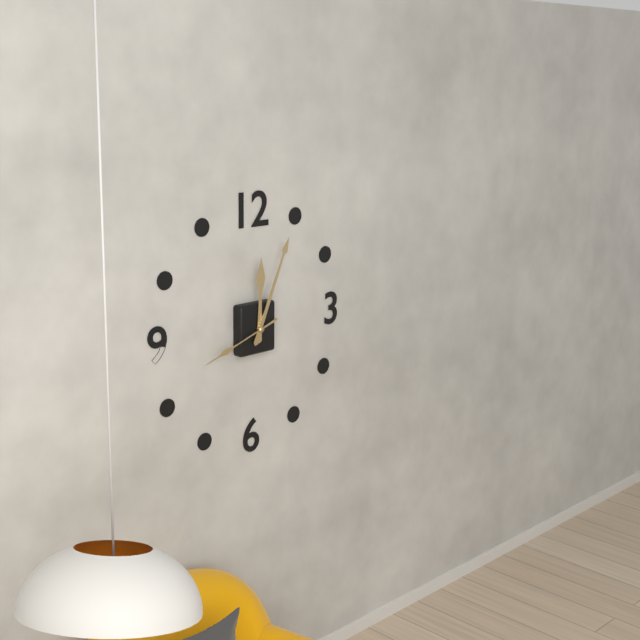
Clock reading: 12.04.42
